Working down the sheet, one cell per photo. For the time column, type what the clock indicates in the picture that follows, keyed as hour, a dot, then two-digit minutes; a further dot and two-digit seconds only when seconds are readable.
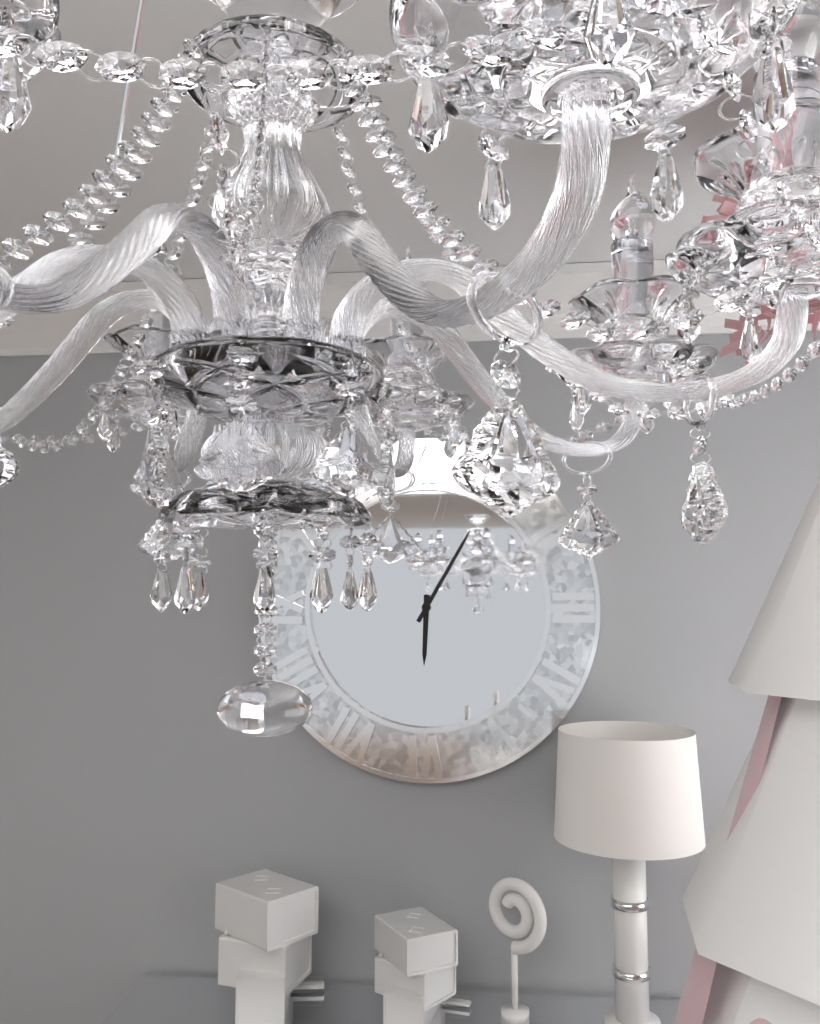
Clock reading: 6.05
